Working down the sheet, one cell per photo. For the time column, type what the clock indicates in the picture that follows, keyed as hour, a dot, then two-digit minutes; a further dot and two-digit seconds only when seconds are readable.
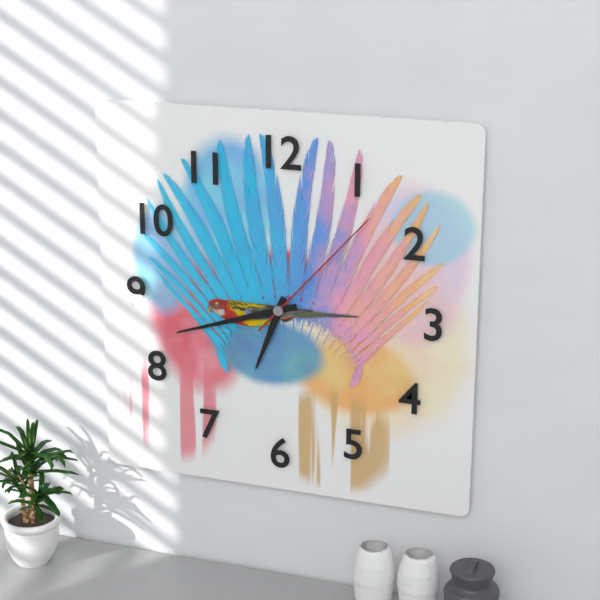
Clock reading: 6.42.07
